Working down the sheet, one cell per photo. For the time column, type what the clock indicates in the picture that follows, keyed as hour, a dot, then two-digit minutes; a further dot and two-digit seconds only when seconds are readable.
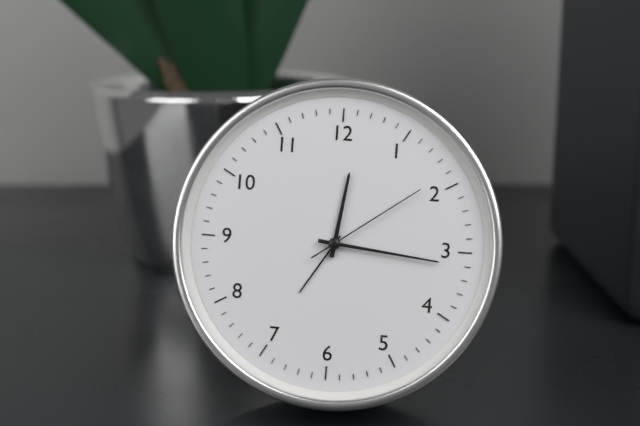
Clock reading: 12.16.09
